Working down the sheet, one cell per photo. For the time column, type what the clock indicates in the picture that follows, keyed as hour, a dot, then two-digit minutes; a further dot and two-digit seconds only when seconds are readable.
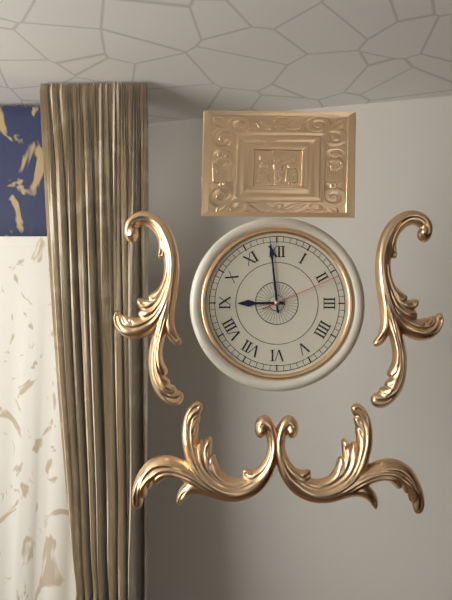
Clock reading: 8.59.11
